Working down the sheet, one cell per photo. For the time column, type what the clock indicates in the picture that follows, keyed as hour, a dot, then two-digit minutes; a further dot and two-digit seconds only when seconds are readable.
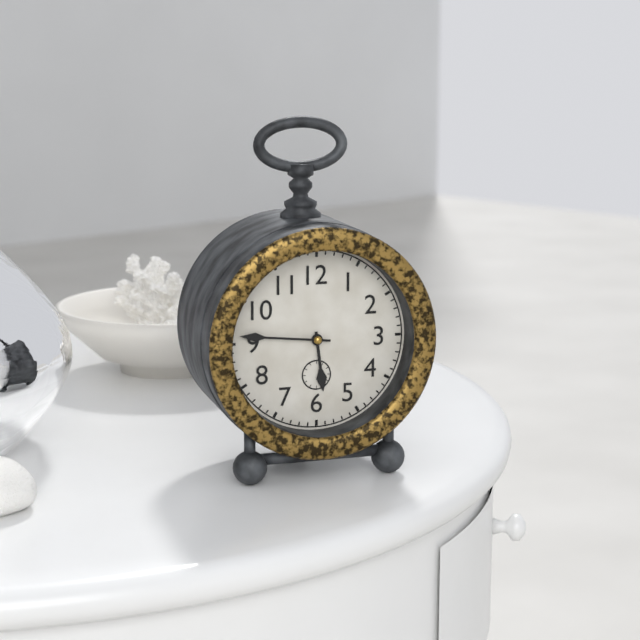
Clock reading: 5.46
